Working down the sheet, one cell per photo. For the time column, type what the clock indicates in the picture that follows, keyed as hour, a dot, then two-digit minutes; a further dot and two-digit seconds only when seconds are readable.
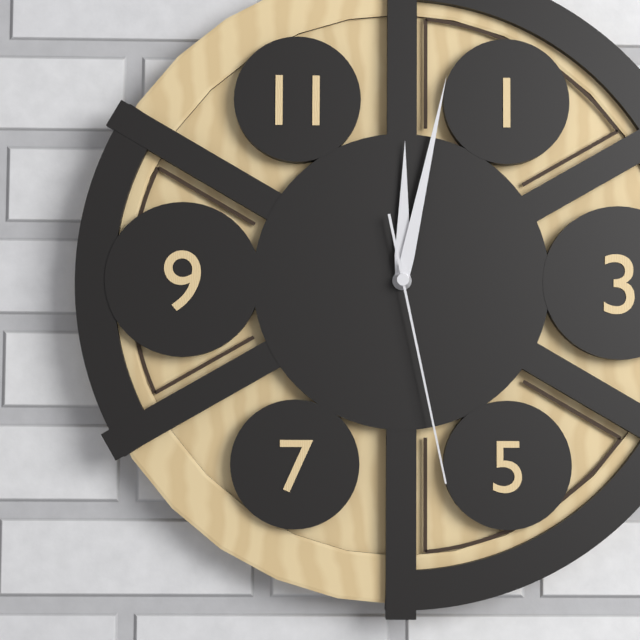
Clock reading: 12.02.28
